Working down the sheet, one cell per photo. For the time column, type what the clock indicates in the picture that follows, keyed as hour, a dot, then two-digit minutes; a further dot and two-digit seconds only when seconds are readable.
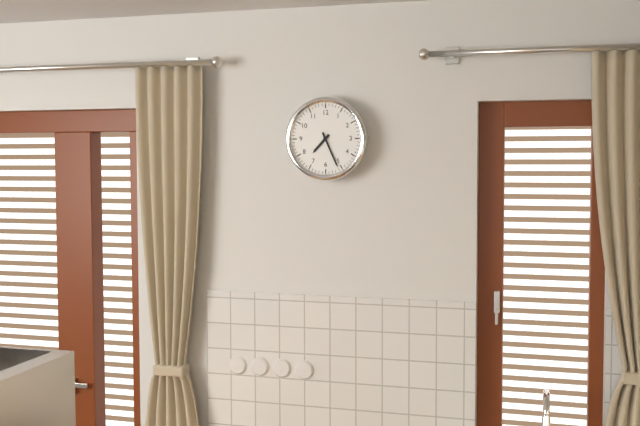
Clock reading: 7.26
